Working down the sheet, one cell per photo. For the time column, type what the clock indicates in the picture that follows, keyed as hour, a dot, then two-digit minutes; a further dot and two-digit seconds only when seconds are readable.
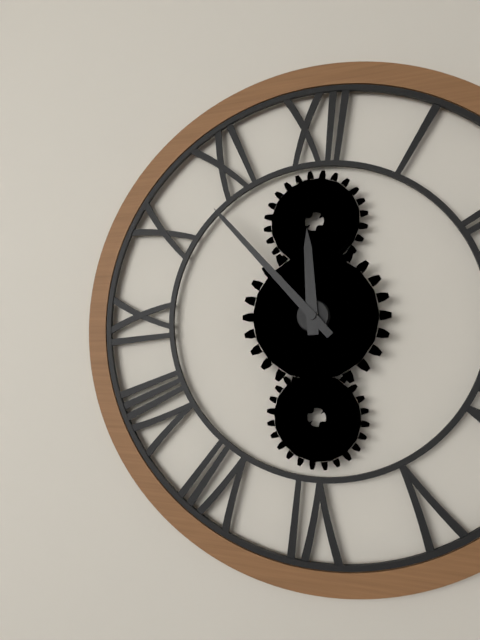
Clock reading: 11.53
